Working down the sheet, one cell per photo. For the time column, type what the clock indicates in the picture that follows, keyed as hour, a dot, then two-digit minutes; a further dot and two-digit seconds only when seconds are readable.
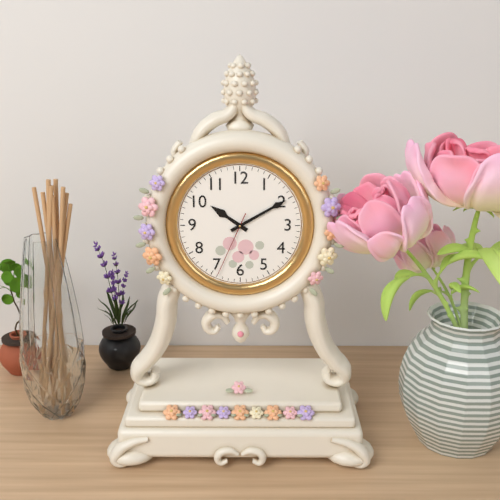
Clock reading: 10.10.34
